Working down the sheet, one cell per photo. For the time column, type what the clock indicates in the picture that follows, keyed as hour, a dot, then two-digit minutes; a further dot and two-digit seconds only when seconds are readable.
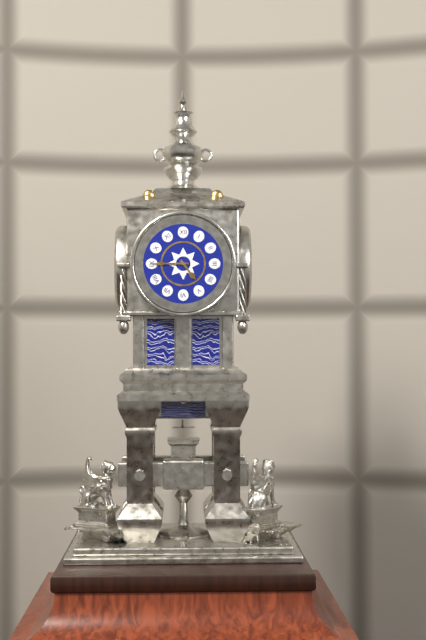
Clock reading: 4.45
